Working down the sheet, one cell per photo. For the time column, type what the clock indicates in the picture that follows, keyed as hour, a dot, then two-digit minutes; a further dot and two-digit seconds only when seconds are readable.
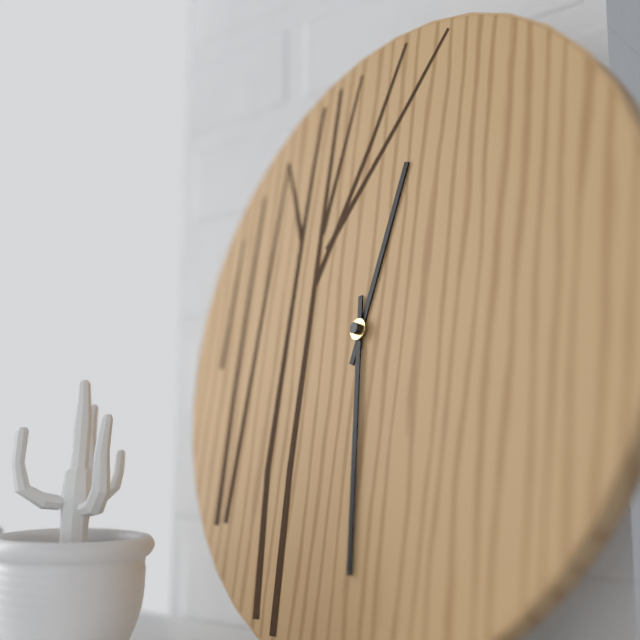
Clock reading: 12.29
